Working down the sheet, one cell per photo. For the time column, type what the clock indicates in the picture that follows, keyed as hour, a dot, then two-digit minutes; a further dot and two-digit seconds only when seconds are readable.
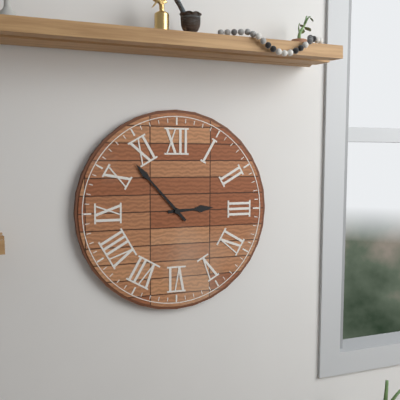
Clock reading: 2.53
